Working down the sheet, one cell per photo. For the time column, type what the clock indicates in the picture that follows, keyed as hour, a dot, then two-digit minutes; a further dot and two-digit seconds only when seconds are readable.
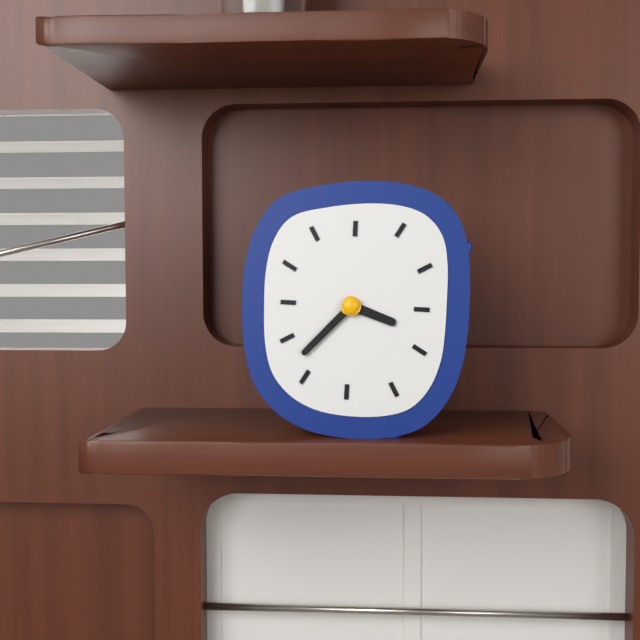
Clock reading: 3.37
